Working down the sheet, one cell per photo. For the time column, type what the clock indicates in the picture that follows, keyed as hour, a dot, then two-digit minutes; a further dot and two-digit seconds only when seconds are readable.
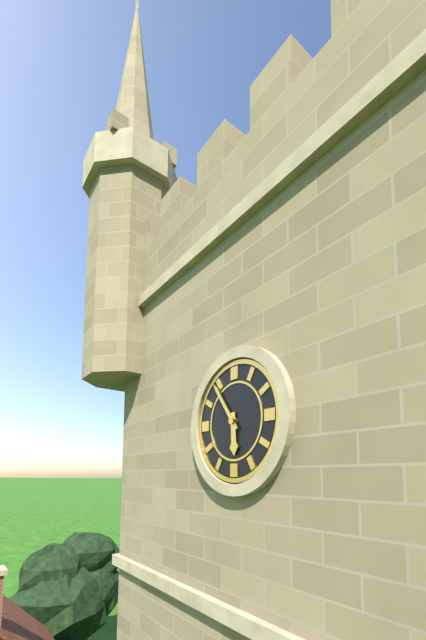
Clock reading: 5.54
